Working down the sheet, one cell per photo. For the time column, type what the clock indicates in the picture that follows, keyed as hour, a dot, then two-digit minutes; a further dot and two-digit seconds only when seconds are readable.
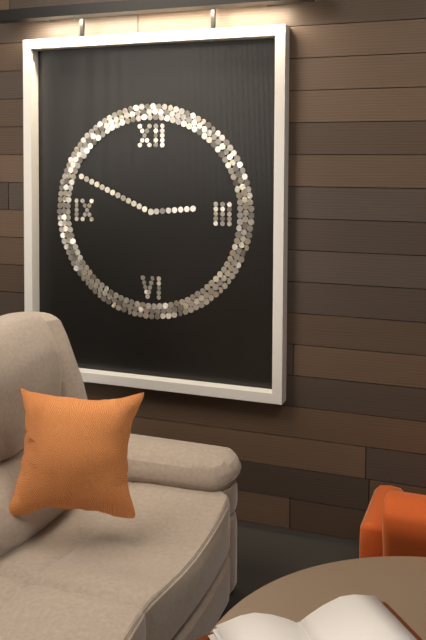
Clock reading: 2.49
